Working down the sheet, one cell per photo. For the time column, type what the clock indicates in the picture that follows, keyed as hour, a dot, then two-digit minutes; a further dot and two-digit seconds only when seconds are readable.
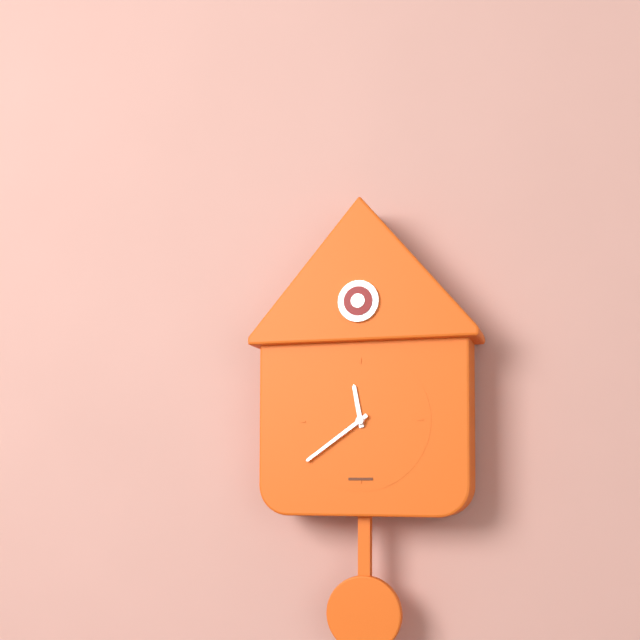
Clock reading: 11.39
